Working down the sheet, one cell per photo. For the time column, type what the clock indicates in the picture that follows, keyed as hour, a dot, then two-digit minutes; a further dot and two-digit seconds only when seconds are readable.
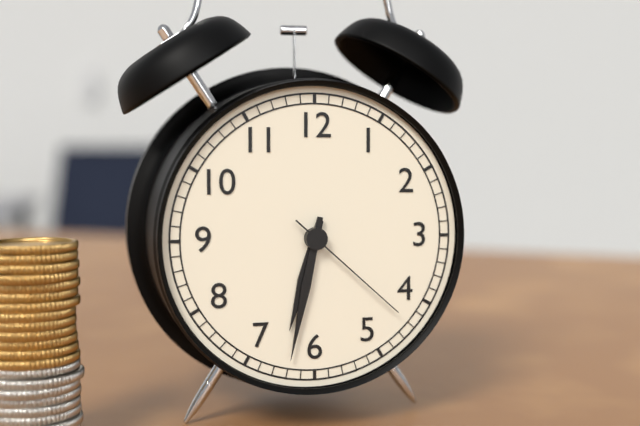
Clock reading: 6.32.22
